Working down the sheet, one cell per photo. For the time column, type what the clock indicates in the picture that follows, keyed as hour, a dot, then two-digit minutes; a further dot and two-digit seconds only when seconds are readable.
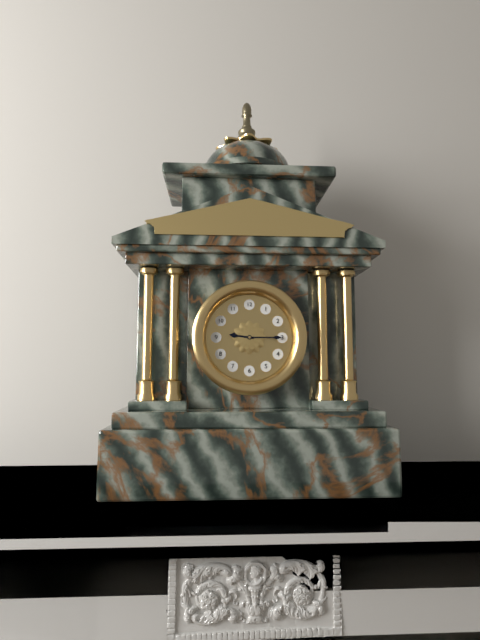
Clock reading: 9.15
